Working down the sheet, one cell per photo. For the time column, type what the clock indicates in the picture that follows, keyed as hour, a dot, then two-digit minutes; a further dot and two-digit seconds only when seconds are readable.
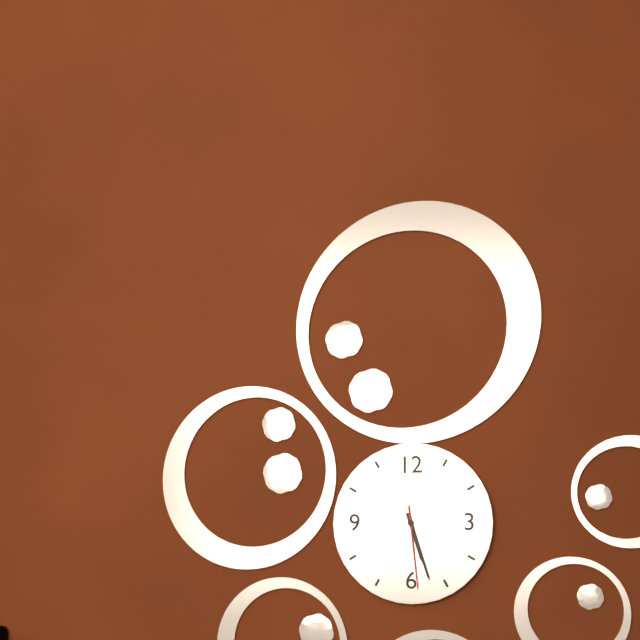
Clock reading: 5.27.29
